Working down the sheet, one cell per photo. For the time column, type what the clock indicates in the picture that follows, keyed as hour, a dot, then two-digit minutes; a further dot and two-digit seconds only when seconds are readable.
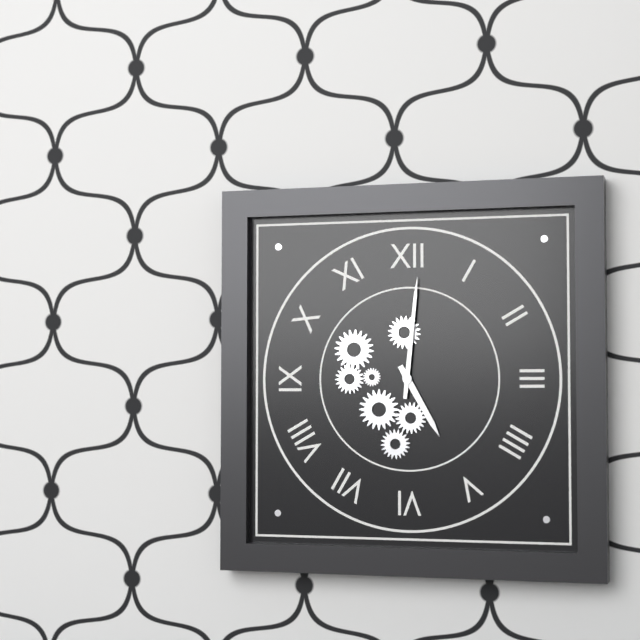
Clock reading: 5.01
